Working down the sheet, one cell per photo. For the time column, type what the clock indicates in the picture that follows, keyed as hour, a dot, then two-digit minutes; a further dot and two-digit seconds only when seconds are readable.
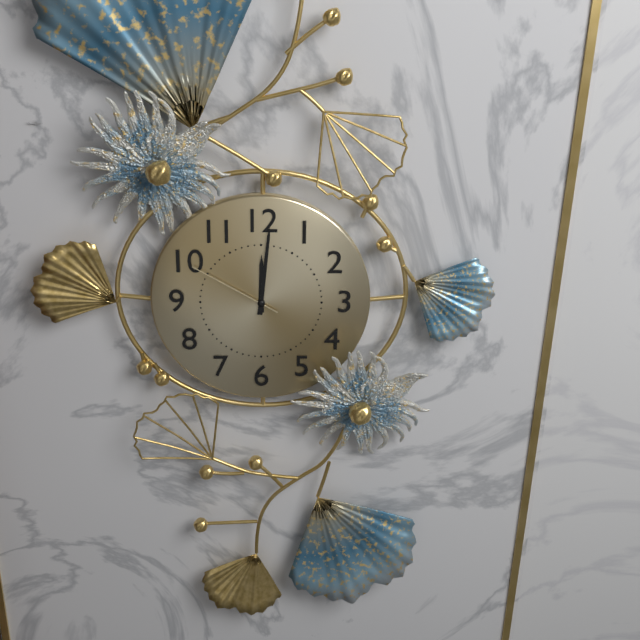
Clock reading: 12.01.50
